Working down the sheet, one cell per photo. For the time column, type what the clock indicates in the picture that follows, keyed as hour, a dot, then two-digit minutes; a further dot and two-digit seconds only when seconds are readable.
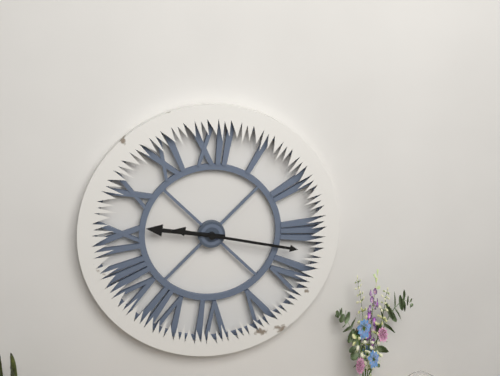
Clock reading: 9.17
